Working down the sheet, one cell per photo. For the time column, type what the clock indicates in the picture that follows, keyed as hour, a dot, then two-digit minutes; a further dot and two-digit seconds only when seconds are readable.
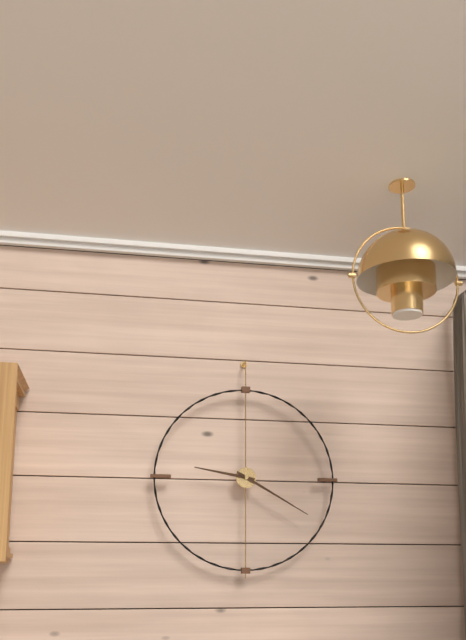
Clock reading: 9.20
